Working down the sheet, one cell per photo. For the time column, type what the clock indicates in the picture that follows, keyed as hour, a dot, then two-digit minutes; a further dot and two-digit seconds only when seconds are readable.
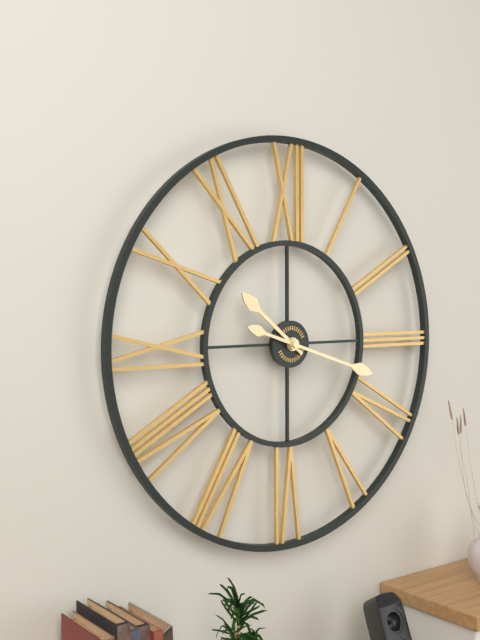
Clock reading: 10.18
